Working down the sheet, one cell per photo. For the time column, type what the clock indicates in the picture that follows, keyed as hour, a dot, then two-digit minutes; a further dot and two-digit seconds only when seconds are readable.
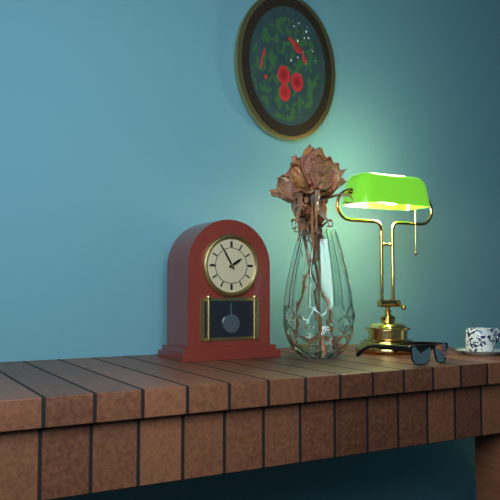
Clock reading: 1.55
